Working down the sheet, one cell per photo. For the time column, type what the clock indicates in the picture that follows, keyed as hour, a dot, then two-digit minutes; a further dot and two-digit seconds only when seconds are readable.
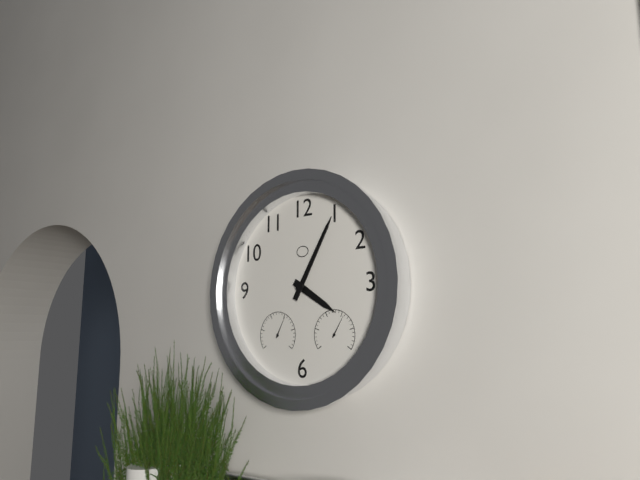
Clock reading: 4.05
